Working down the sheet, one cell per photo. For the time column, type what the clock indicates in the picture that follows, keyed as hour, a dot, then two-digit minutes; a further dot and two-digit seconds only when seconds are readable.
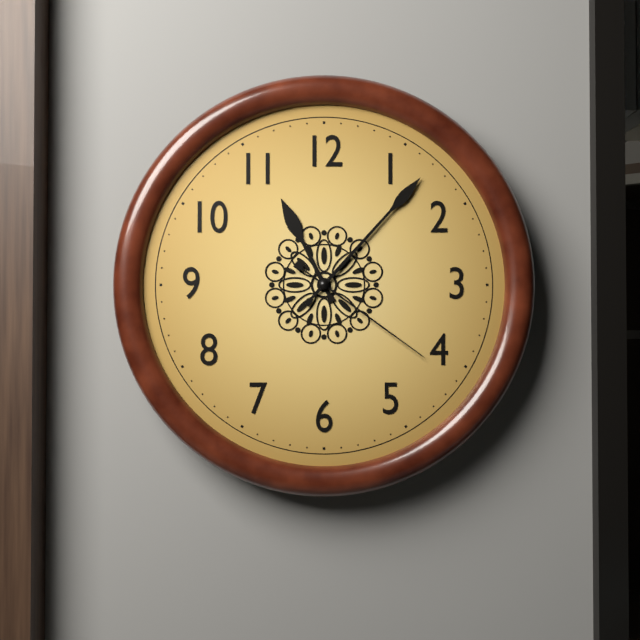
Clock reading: 11.07.21
